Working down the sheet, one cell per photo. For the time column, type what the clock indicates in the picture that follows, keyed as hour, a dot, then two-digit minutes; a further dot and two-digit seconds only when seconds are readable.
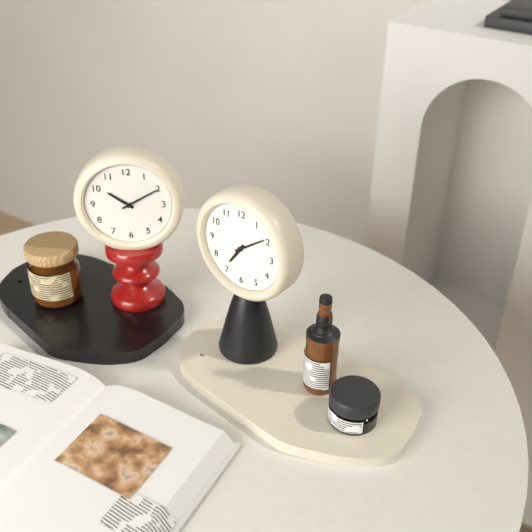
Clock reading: 7.09
